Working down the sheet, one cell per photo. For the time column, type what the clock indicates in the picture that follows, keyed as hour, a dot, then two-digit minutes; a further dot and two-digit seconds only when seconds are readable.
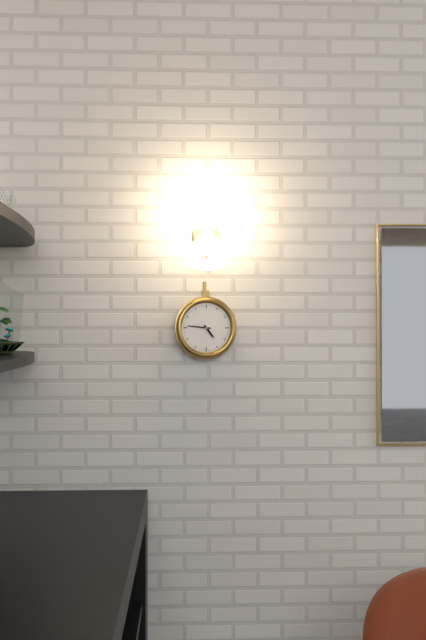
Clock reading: 4.46
